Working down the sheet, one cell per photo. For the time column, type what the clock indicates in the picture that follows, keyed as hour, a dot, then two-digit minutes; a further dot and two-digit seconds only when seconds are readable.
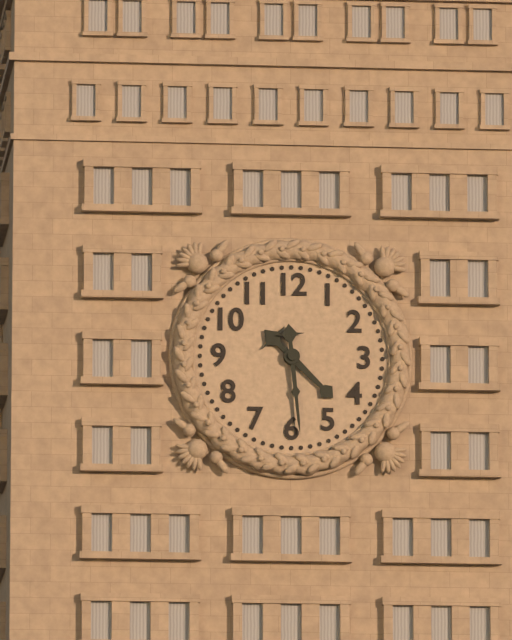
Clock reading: 4.29
